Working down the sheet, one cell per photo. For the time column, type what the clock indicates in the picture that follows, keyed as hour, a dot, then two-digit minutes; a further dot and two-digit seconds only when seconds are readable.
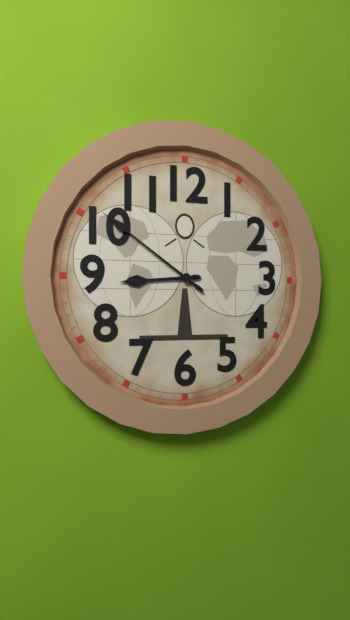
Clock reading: 8.51
